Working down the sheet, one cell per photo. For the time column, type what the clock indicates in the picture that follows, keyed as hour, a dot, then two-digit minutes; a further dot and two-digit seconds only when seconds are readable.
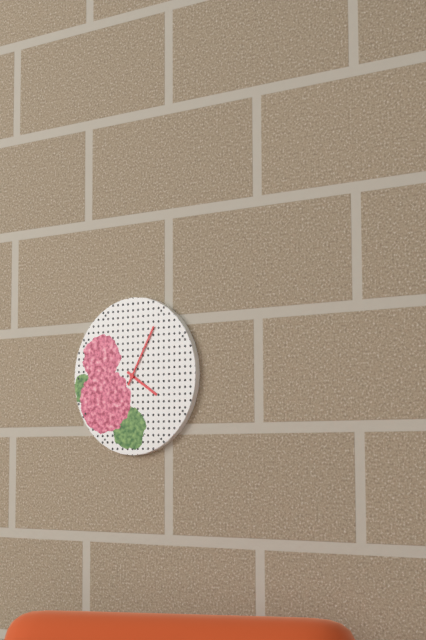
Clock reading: 4.05
